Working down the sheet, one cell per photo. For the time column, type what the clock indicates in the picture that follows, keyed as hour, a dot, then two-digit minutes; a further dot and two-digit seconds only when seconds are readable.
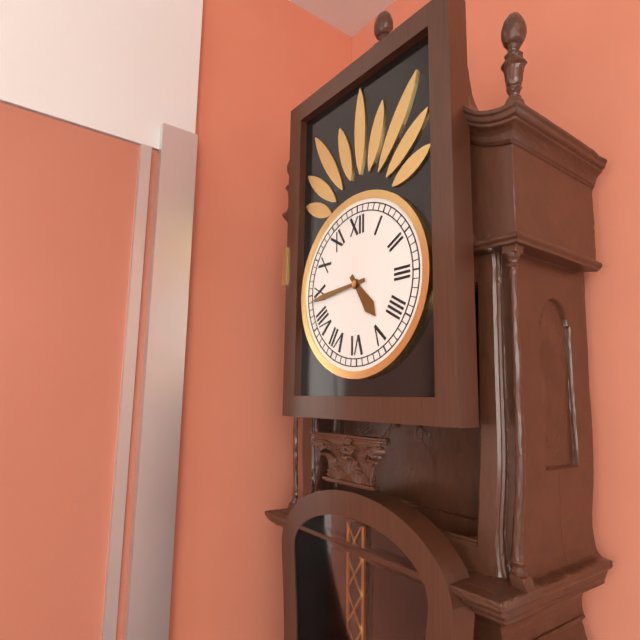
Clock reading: 4.44
